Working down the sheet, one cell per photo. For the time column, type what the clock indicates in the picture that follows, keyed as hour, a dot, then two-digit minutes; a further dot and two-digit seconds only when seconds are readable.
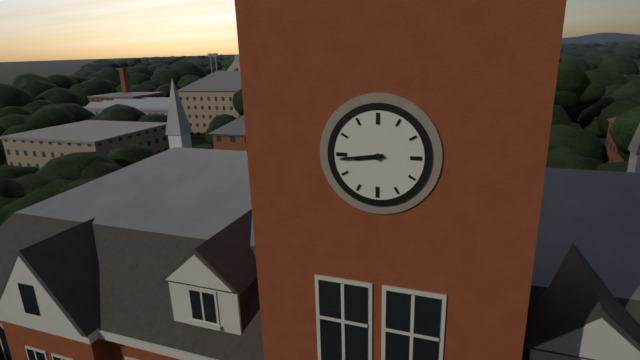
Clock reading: 8.44
